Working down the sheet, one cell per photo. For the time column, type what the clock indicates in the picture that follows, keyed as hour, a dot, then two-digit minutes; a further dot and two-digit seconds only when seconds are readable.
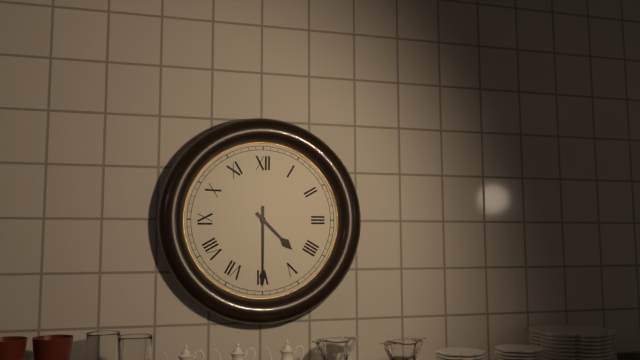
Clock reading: 4.30
